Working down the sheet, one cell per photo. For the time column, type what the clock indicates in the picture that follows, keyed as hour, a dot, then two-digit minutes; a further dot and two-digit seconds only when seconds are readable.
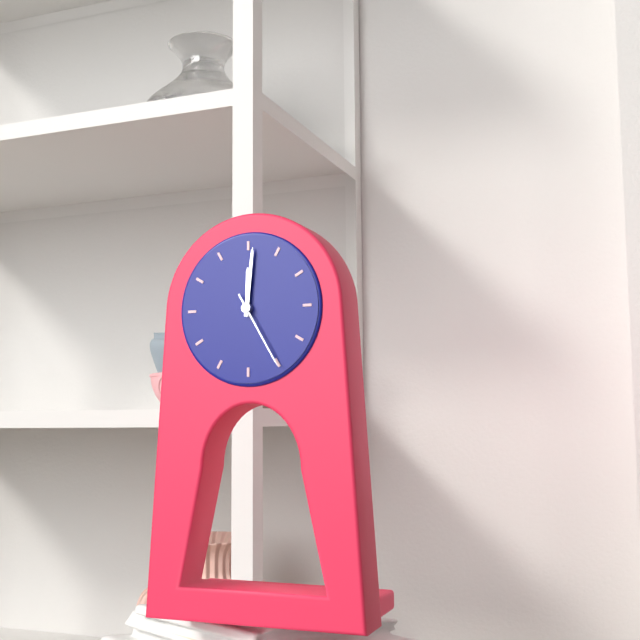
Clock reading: 12.01.25
